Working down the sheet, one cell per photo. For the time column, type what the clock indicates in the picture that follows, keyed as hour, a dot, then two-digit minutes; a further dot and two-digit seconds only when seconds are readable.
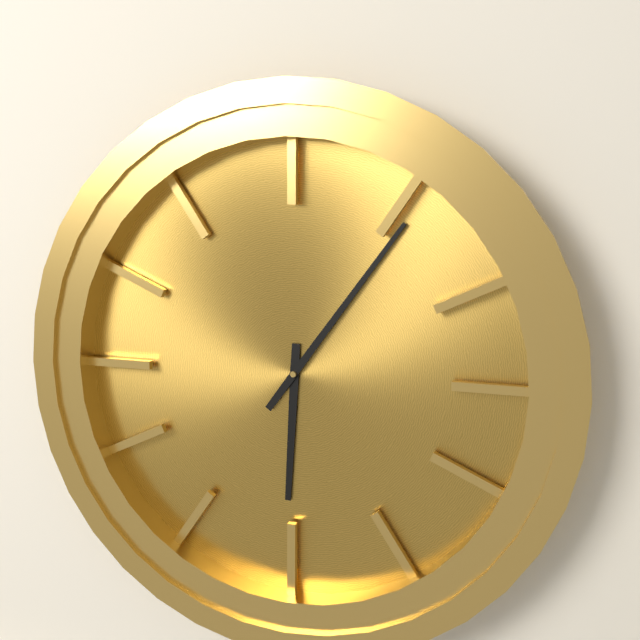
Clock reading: 6.06
